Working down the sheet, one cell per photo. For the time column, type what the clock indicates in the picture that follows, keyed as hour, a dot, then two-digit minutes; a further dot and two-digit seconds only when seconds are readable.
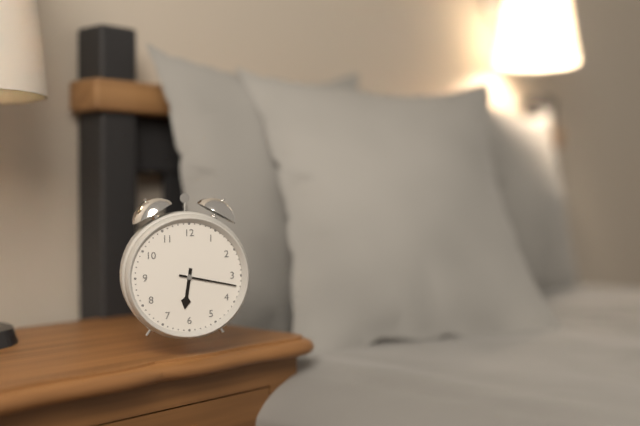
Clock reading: 6.17
